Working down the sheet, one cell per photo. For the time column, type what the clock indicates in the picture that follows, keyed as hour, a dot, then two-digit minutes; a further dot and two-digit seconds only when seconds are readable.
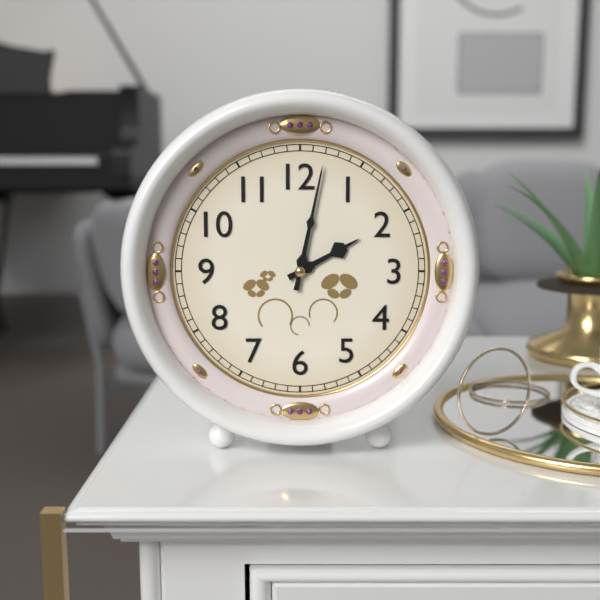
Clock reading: 2.02
